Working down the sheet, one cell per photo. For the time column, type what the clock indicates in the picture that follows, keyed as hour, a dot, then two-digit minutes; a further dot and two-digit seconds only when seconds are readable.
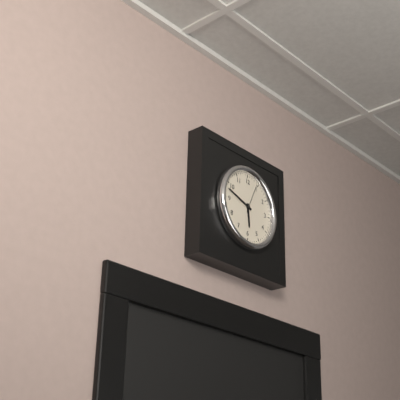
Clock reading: 5.48
